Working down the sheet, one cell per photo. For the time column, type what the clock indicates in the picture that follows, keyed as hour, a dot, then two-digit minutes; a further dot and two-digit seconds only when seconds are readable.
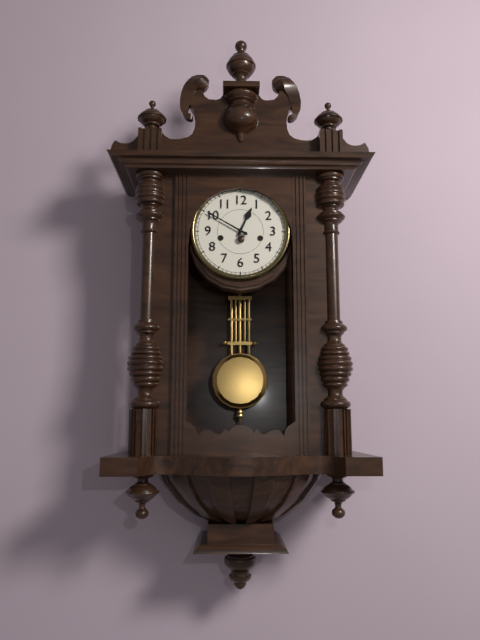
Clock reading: 12.50
